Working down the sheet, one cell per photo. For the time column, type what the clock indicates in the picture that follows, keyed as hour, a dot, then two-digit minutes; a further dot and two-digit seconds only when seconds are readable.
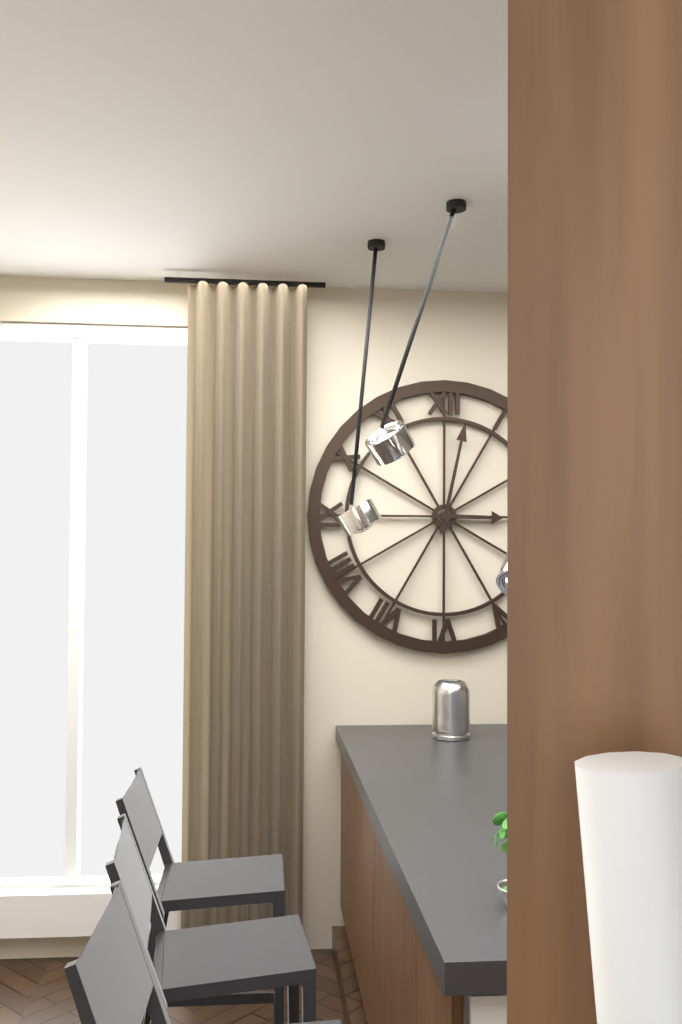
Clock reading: 3.02
